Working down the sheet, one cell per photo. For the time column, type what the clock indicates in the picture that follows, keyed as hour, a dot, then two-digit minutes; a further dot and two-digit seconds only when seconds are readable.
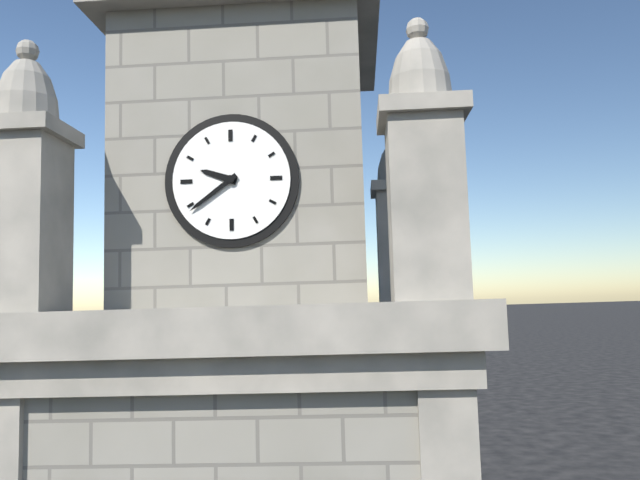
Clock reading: 9.39
